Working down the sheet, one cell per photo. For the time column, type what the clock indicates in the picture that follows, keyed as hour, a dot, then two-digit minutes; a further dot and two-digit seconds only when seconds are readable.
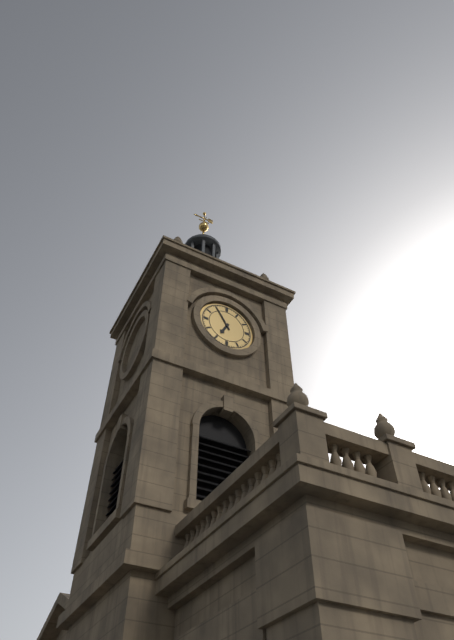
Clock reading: 6.55
